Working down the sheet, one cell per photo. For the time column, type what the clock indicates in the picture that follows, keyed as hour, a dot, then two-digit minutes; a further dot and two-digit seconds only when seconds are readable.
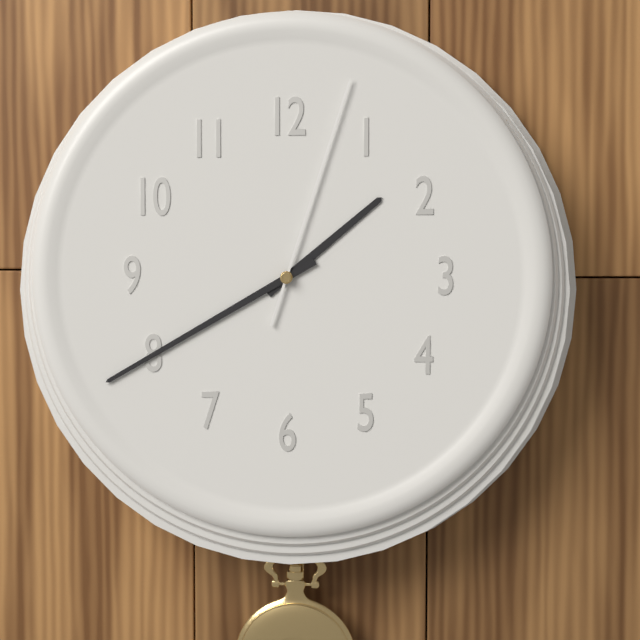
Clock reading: 1.40.03
